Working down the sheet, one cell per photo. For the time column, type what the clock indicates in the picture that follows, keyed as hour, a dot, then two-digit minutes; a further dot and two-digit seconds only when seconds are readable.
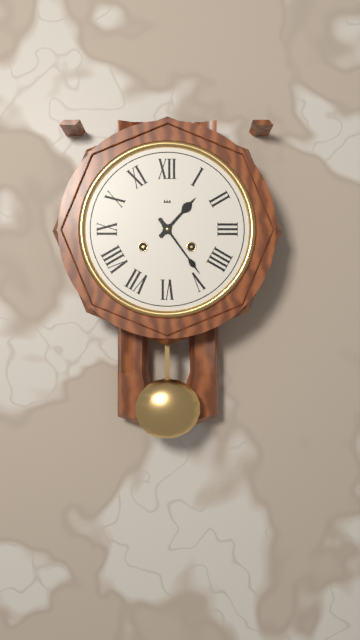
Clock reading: 1.24
